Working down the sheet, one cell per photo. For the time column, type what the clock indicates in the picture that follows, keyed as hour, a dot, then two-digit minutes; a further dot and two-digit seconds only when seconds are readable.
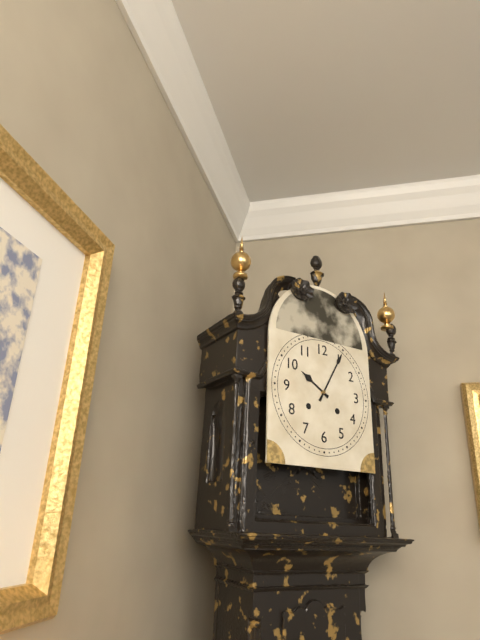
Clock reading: 10.05
